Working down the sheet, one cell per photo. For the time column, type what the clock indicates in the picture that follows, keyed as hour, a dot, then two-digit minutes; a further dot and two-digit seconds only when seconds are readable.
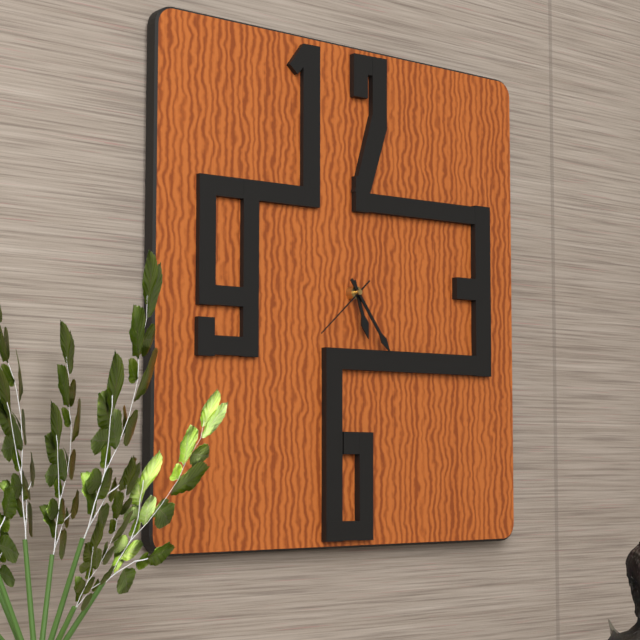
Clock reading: 5.24.38
